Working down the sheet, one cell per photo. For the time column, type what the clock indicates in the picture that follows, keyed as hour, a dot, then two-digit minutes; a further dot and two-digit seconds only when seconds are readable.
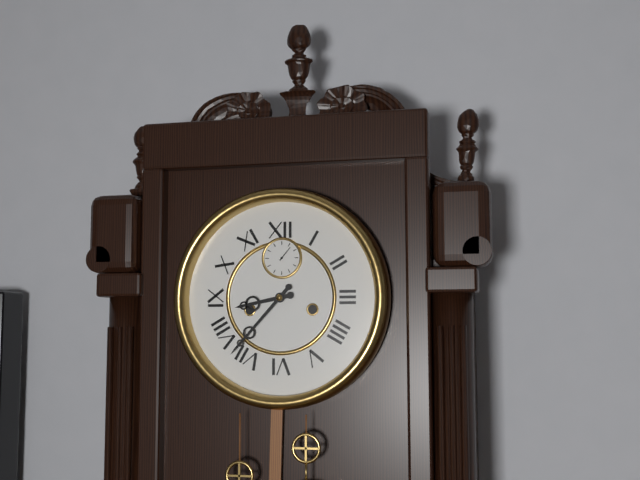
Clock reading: 8.37
